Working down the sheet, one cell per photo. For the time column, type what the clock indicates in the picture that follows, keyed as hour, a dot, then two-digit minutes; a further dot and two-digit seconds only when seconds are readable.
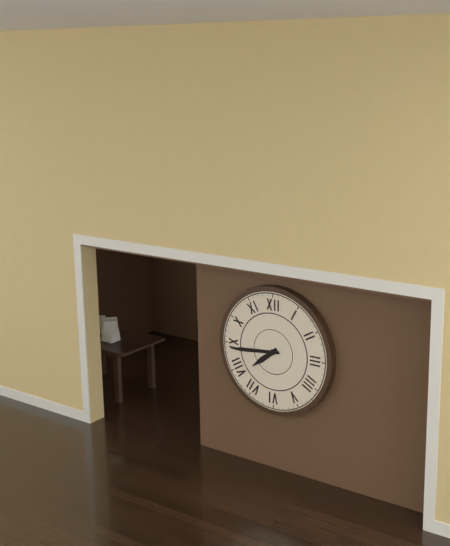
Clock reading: 7.44
